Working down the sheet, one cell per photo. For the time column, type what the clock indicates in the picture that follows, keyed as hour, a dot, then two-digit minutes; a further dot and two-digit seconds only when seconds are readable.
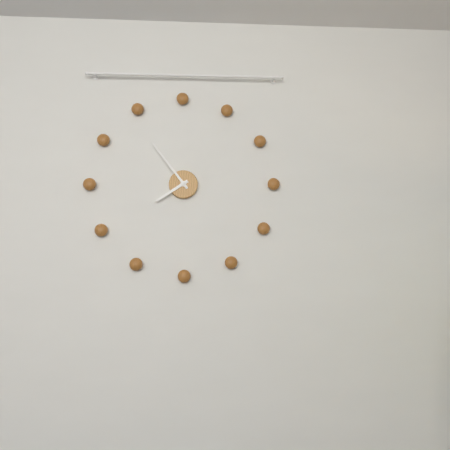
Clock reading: 7.54
